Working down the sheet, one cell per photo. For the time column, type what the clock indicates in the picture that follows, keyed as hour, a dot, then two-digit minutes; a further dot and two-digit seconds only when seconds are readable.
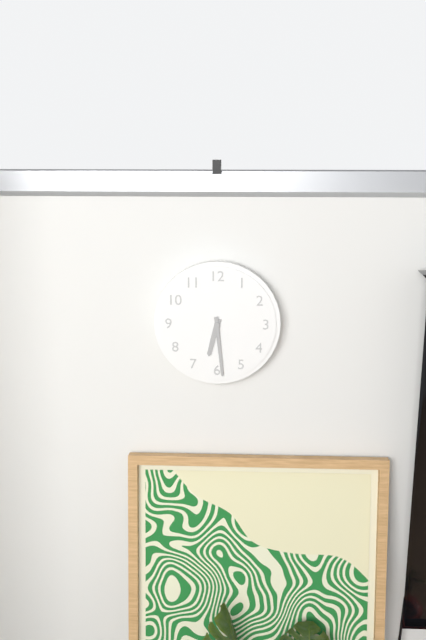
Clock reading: 6.29
